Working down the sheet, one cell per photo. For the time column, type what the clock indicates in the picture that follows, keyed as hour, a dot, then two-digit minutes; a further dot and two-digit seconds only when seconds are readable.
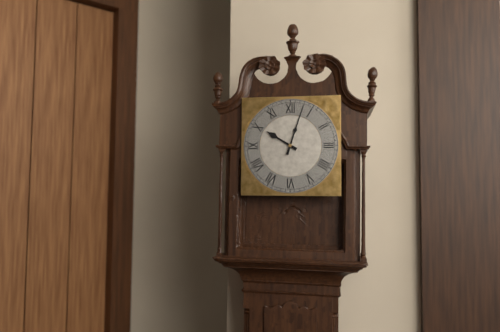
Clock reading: 10.03
